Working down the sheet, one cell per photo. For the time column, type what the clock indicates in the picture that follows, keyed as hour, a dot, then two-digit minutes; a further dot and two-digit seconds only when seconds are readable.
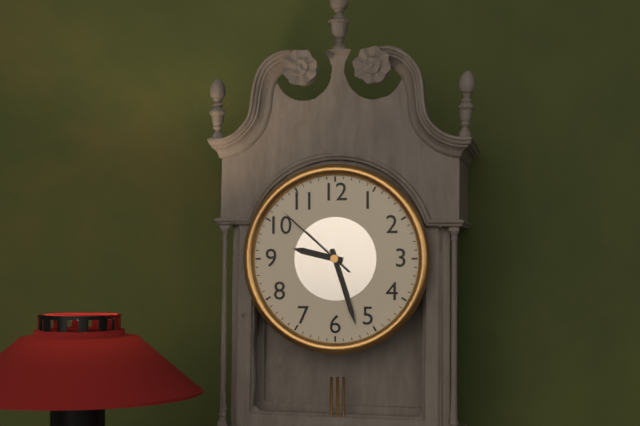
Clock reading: 9.27.52
